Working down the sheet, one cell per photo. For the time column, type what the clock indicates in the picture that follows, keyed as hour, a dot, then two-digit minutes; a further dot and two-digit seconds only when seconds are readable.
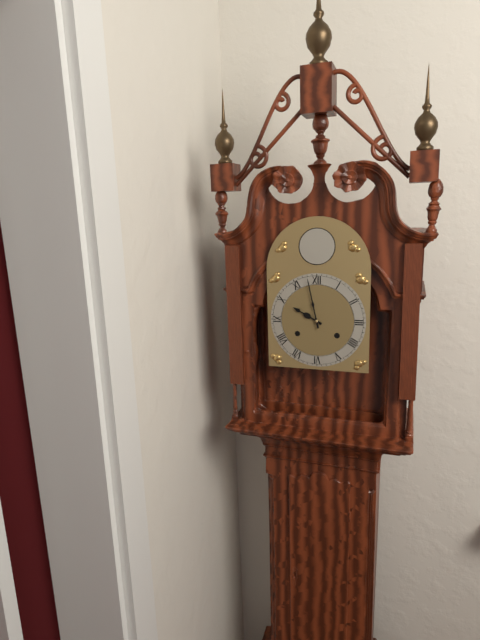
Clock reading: 9.58
